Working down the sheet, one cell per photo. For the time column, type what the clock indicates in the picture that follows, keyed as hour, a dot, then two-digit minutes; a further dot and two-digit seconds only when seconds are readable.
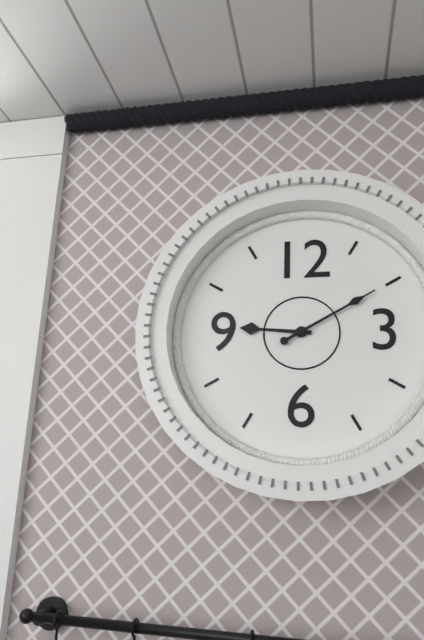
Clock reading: 9.10
